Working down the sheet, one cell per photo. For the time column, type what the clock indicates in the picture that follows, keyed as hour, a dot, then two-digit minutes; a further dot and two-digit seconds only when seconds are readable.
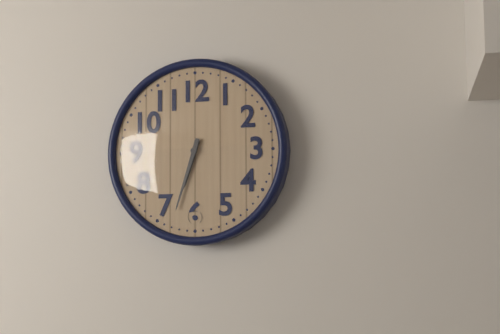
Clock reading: 6.33
